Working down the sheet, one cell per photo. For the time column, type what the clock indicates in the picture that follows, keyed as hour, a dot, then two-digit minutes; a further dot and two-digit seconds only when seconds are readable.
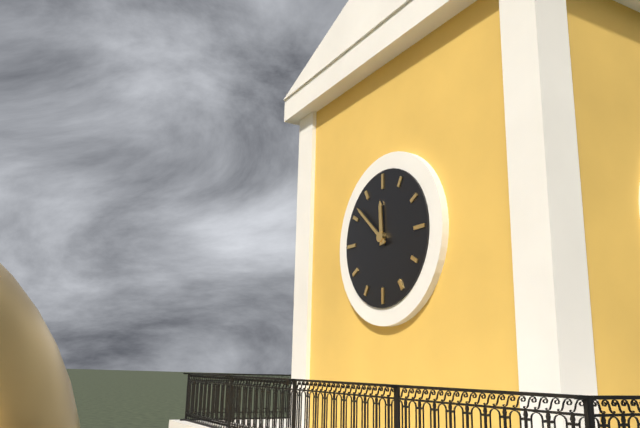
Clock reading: 11.52
